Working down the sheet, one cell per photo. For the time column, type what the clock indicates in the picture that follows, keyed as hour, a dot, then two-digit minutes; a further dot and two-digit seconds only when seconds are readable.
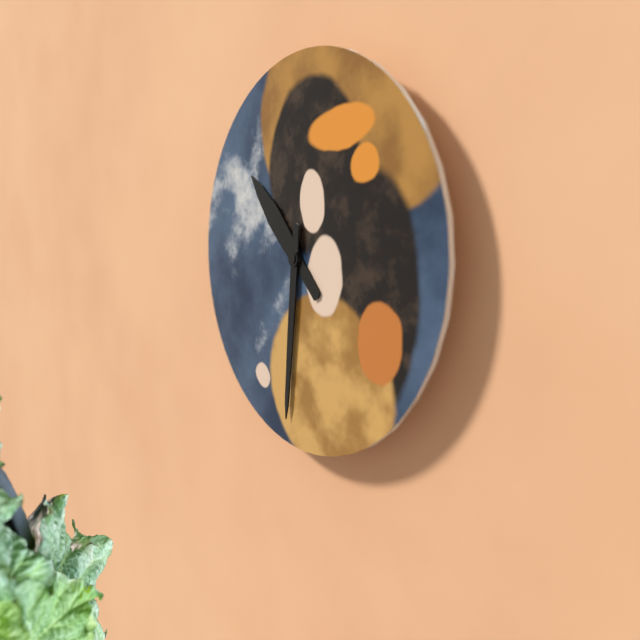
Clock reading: 10.31
